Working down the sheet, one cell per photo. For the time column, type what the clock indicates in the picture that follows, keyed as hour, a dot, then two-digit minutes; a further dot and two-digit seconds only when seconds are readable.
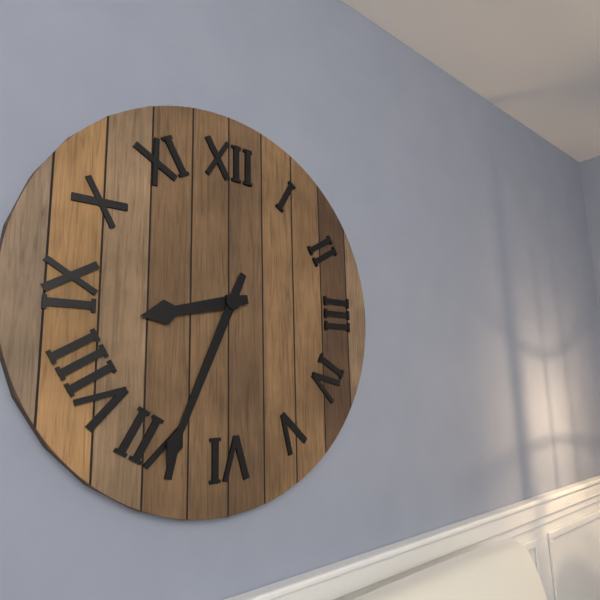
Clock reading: 8.34
